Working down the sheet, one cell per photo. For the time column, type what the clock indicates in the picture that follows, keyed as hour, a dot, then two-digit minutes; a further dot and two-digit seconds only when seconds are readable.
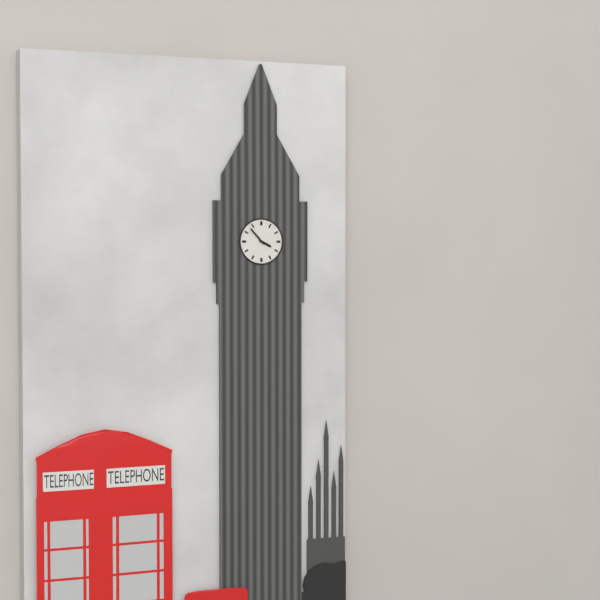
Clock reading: 3.53
